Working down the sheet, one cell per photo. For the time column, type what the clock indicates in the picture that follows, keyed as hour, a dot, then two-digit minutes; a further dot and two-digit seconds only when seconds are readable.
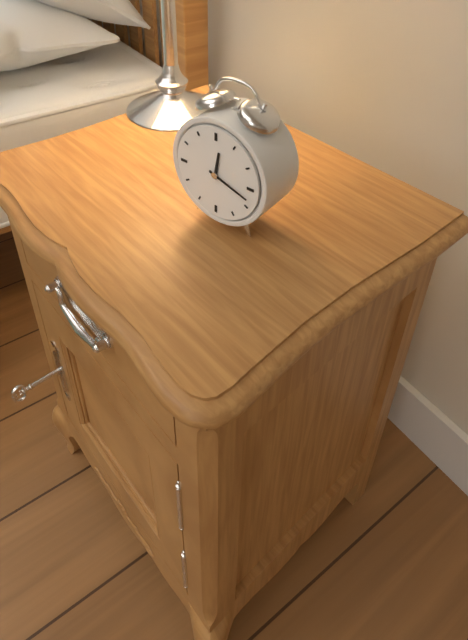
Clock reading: 12.18
